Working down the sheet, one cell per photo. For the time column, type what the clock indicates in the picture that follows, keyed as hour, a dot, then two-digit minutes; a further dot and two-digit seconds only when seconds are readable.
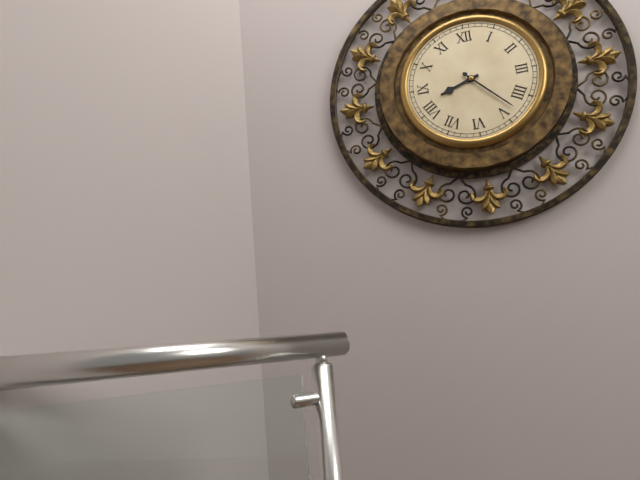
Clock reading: 8.23
